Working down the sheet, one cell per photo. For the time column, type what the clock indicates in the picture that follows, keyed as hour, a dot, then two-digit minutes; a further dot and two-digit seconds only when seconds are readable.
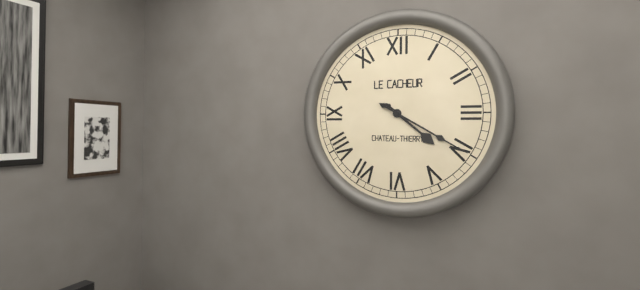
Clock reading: 4.20
